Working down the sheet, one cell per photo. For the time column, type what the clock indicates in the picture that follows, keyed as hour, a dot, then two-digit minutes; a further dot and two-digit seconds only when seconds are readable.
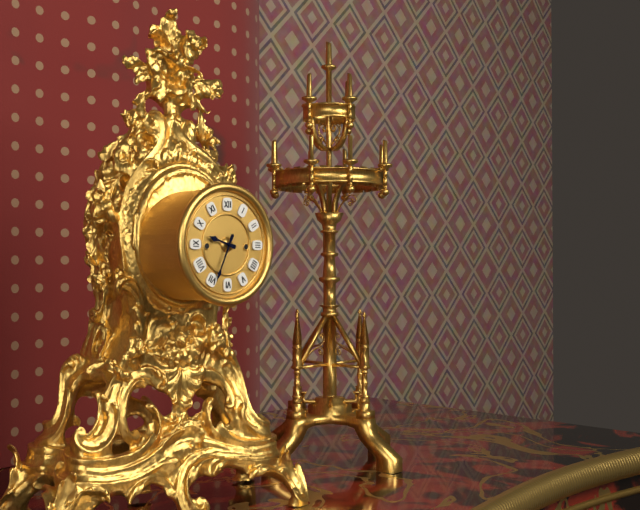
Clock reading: 9.34
